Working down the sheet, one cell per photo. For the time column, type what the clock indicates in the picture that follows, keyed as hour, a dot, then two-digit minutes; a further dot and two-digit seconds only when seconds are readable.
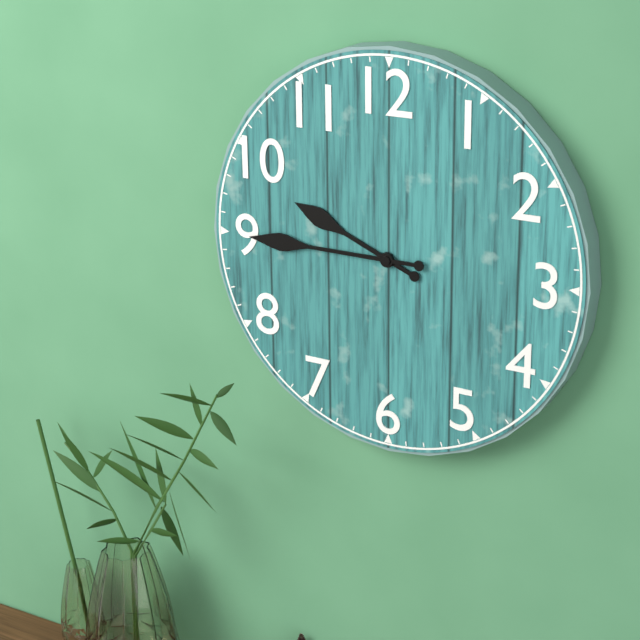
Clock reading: 9.45
